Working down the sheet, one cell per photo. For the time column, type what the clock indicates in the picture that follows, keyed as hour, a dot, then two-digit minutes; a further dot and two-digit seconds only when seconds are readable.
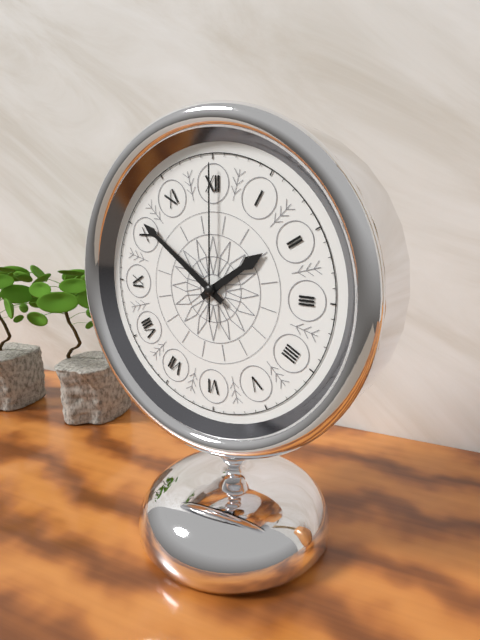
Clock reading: 1.51.00
